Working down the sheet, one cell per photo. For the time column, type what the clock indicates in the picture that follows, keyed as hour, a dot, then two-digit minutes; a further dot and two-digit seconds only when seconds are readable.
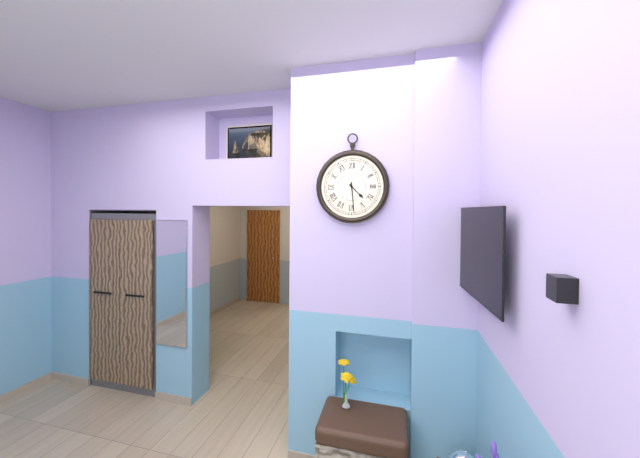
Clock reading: 4.29
